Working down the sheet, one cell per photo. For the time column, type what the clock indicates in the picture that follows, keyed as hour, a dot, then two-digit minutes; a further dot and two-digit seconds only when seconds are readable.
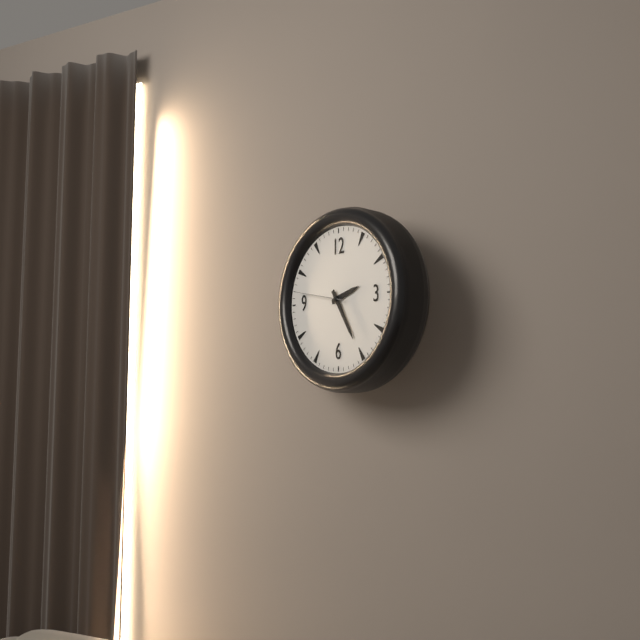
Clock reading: 2.25.47
